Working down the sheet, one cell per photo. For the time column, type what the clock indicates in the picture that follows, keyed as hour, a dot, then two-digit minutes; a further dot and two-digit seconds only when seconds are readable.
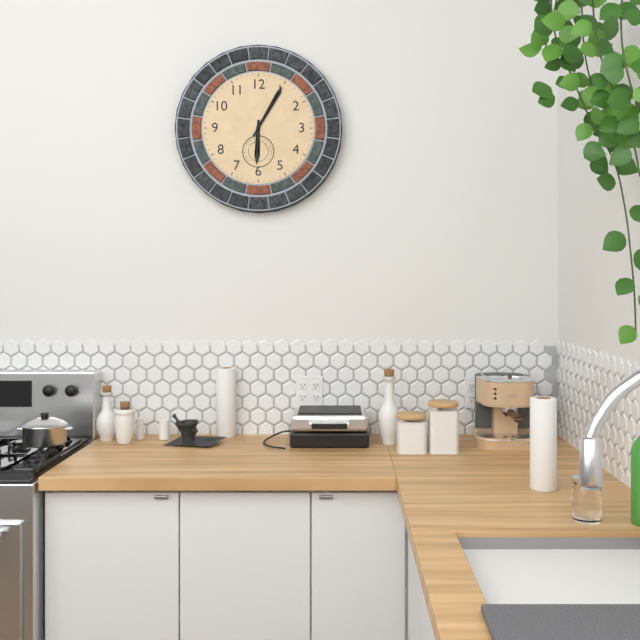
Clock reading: 6.05
